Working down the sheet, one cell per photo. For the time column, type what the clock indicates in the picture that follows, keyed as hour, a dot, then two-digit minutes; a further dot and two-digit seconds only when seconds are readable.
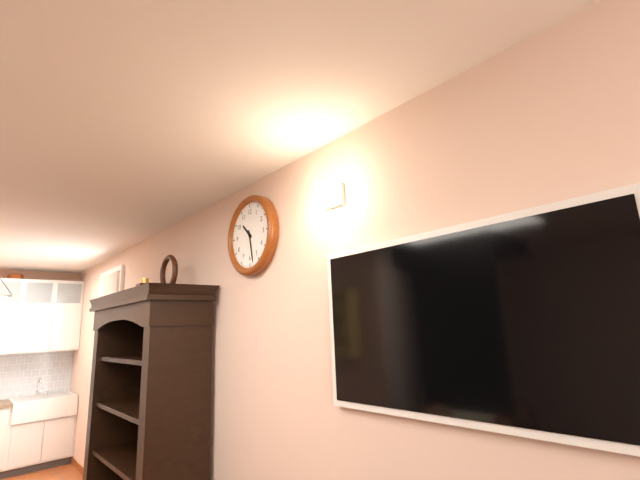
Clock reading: 10.28
